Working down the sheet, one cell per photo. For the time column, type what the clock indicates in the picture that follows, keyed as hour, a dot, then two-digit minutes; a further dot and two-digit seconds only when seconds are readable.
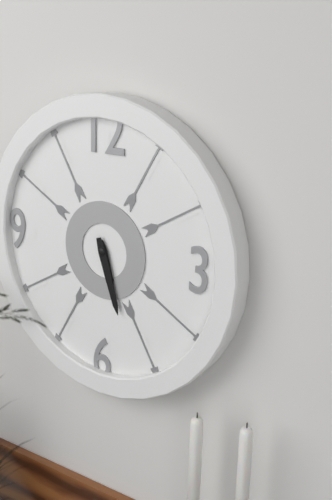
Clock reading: 5.27
